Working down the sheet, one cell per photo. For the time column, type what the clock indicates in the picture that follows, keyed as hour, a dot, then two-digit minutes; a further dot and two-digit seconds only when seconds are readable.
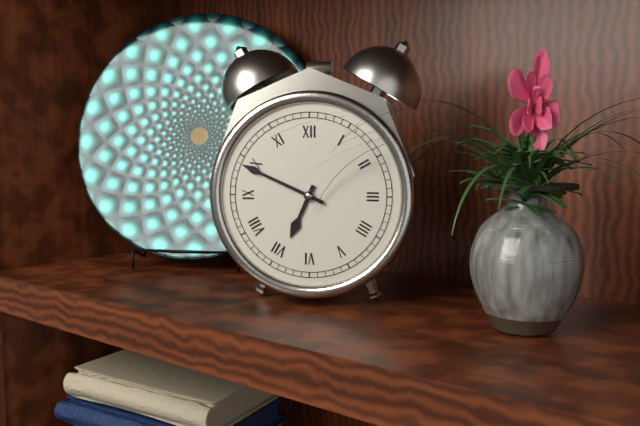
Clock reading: 6.49
